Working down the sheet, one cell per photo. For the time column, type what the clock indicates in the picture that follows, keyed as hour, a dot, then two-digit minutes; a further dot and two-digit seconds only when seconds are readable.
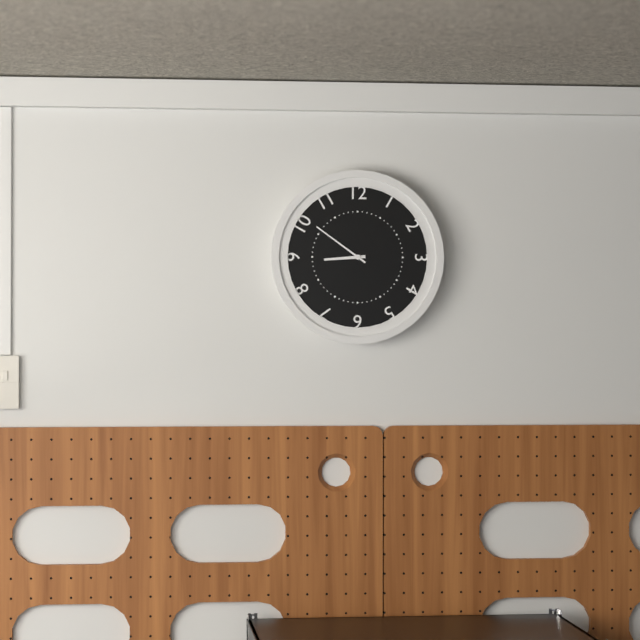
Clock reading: 8.51
